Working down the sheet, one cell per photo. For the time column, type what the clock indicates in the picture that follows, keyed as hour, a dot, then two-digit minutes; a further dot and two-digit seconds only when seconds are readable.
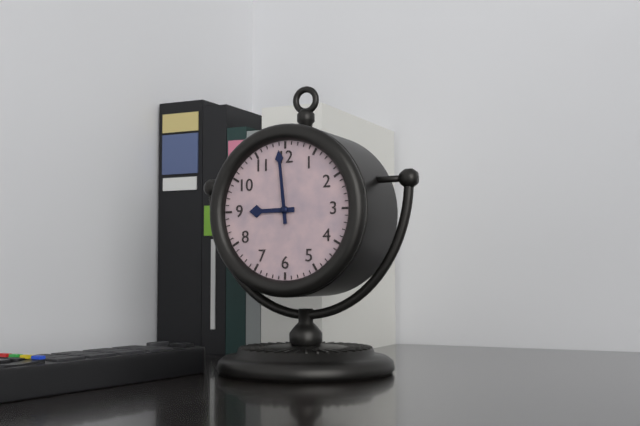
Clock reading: 8.59
